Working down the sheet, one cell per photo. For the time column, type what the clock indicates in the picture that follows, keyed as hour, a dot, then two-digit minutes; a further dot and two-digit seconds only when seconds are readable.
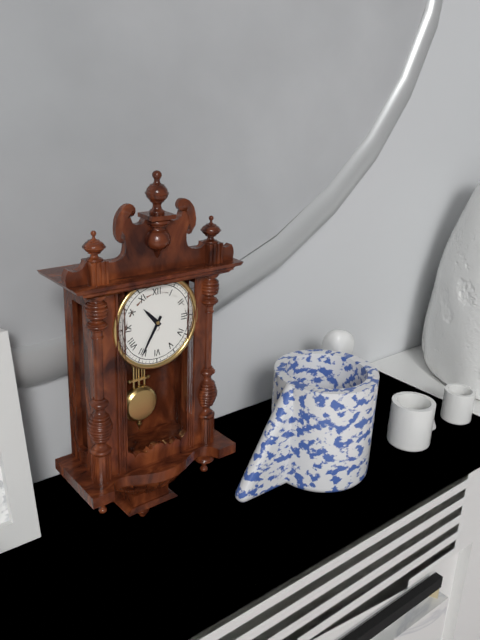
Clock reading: 10.35
